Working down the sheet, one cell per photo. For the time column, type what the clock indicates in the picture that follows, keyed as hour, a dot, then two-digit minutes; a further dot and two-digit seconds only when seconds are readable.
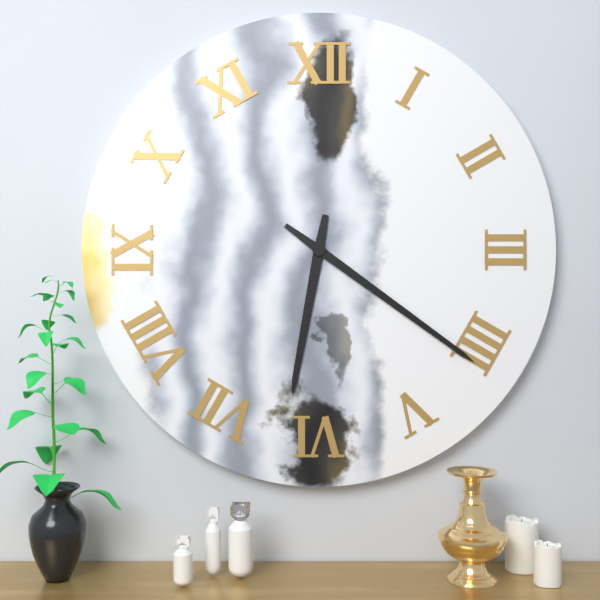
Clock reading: 6.21
